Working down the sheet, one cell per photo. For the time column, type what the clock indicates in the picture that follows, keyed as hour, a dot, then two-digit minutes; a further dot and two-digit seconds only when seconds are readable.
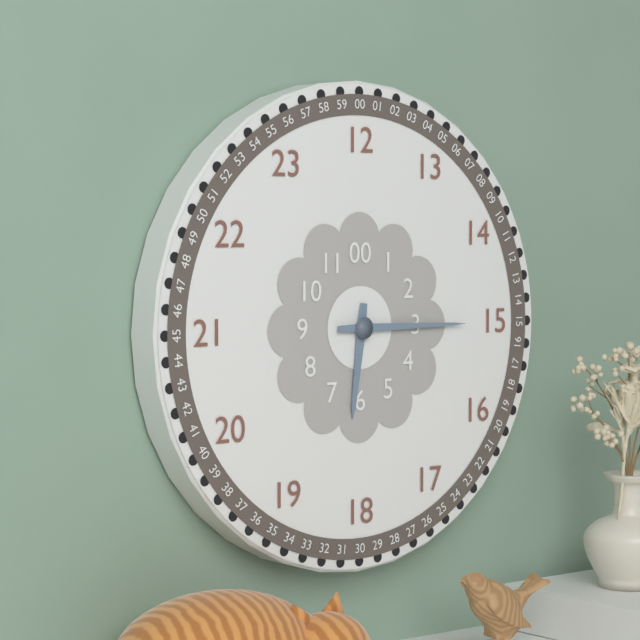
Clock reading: 6.15
